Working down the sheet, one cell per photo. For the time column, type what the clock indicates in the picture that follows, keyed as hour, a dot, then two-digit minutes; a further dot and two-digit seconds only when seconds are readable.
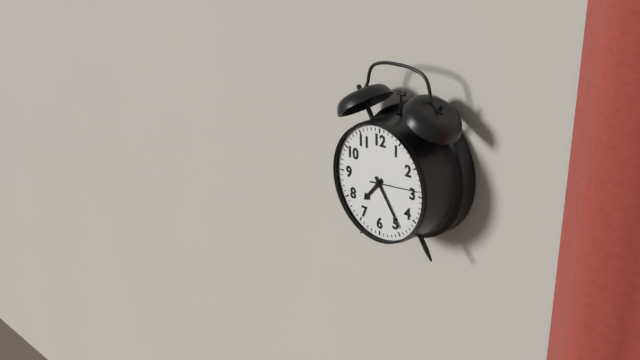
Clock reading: 7.24
